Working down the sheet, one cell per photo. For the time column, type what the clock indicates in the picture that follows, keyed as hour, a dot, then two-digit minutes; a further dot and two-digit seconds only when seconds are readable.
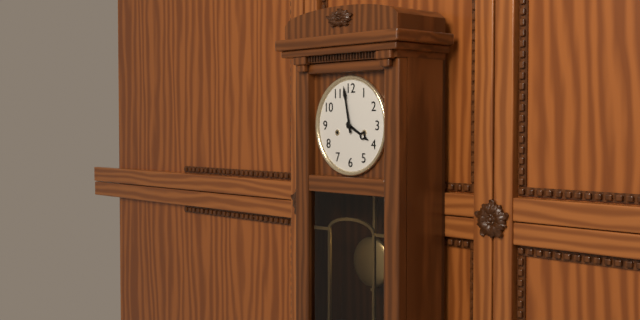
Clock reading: 3.58
